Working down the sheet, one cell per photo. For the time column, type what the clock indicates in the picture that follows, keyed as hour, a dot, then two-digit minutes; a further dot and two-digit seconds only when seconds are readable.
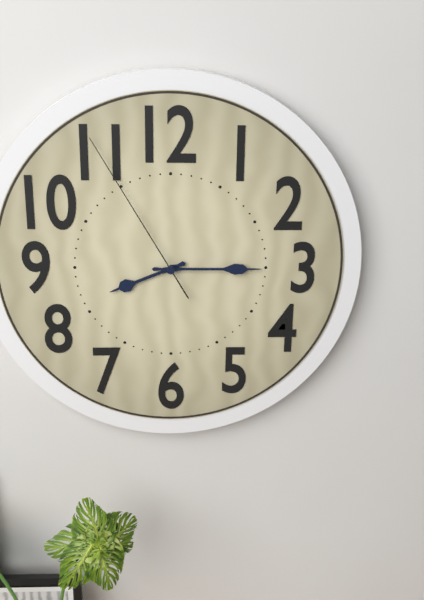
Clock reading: 8.15.55
